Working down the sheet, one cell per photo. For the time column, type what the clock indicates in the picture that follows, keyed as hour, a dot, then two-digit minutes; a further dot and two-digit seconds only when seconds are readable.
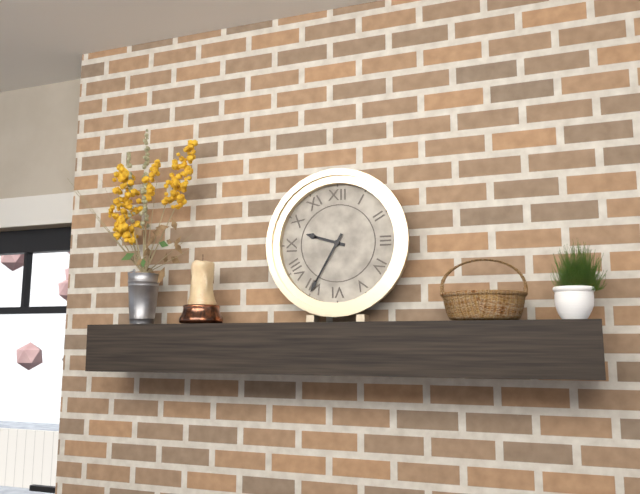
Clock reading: 9.35
